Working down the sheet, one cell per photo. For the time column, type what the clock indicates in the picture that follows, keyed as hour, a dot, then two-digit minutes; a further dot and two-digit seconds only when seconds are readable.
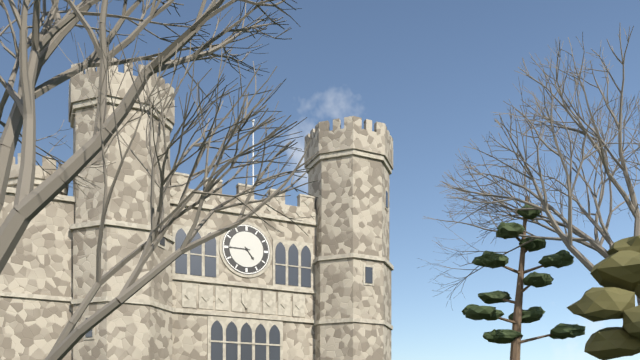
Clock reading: 4.45
